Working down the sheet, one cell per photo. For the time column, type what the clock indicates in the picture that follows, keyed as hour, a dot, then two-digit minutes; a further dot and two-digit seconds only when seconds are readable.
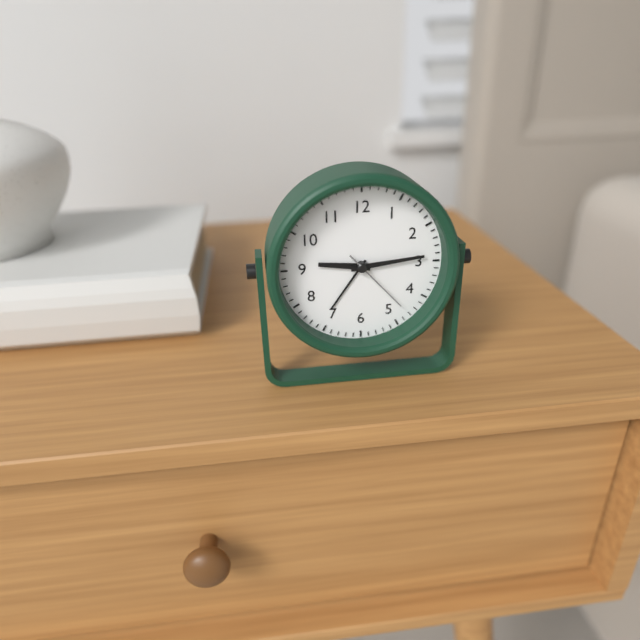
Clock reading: 9.14.23
